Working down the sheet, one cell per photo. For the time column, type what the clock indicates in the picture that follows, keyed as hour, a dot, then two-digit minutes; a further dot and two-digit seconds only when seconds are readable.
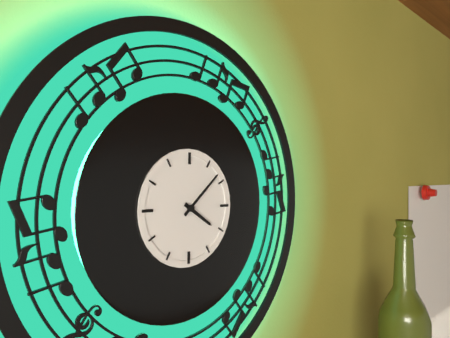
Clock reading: 4.08
